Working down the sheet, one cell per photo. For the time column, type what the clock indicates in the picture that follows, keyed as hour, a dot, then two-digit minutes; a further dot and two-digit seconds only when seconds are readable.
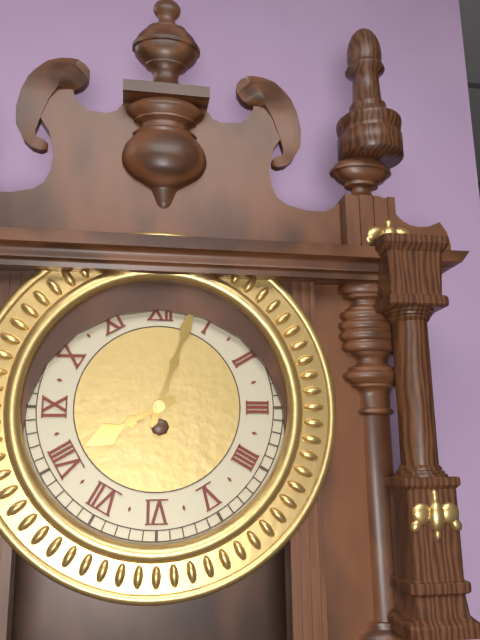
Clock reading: 8.03
